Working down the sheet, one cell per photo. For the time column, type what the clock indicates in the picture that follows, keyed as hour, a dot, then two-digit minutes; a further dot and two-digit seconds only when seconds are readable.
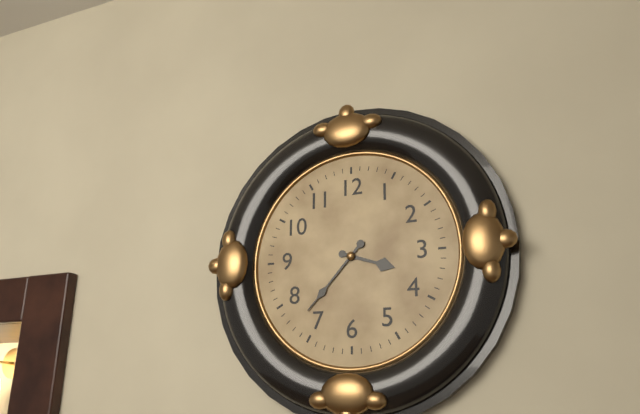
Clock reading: 3.37
